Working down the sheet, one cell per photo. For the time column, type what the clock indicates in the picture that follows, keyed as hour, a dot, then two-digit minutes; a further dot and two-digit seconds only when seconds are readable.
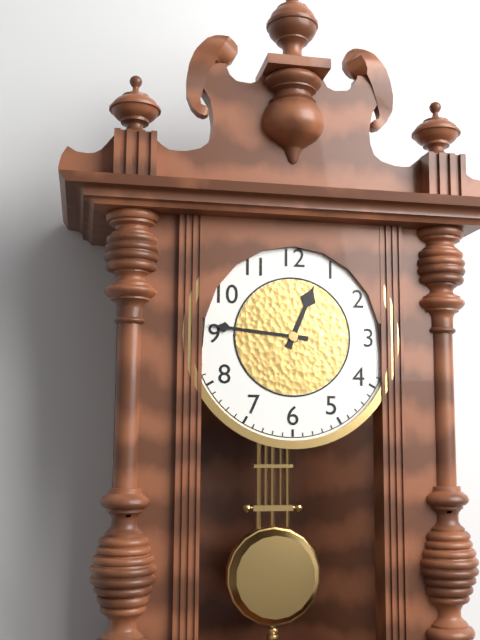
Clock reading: 12.46
